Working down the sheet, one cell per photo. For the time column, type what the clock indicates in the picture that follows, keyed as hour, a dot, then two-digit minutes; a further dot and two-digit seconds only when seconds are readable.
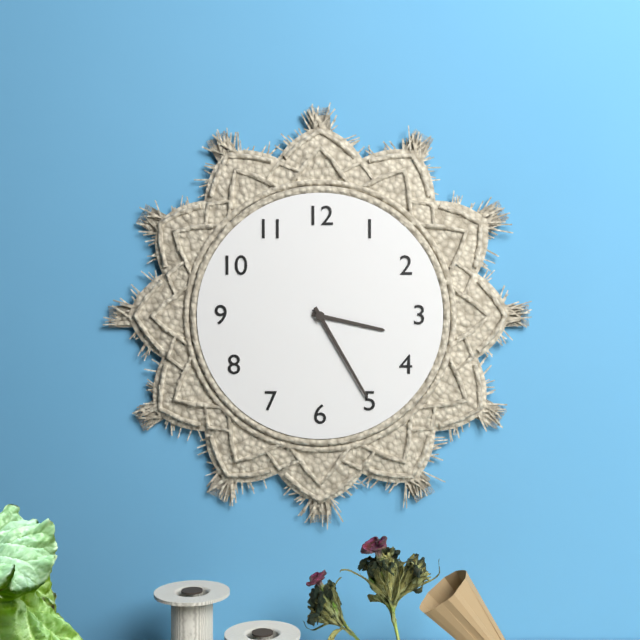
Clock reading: 3.25
